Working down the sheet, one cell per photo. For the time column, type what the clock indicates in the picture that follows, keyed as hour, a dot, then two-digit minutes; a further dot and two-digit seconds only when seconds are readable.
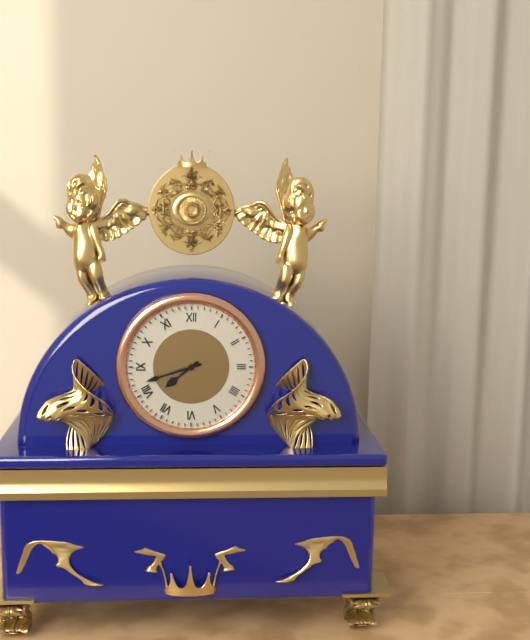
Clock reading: 7.42
